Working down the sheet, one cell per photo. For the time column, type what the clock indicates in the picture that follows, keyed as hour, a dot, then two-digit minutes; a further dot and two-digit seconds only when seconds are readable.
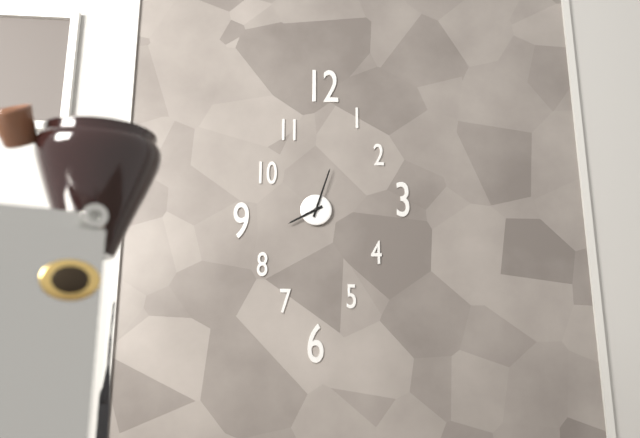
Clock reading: 8.03
